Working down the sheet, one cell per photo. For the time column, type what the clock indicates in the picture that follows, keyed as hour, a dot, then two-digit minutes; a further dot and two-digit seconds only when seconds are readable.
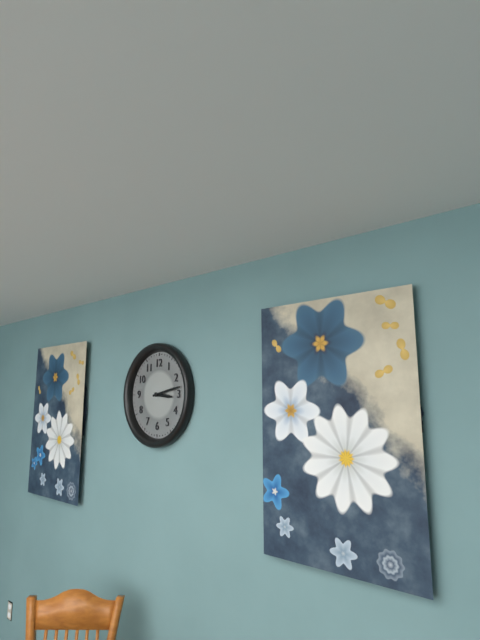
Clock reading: 3.13
